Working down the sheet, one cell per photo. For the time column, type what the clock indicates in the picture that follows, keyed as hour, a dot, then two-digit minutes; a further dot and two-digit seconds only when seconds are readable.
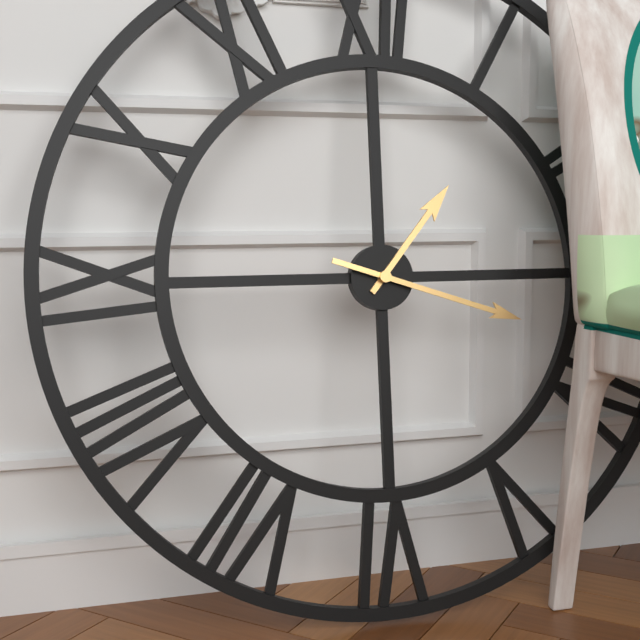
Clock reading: 1.18
